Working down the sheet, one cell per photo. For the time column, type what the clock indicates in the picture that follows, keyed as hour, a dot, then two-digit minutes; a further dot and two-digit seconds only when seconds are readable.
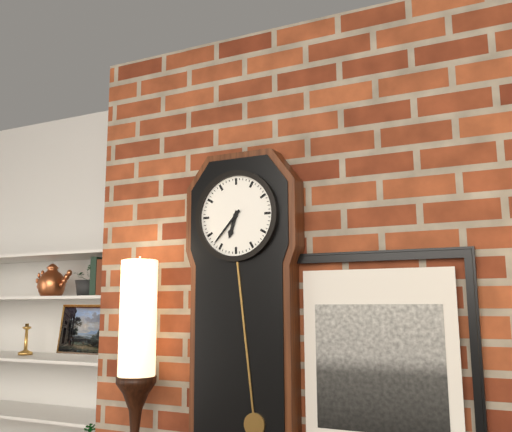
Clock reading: 6.37
